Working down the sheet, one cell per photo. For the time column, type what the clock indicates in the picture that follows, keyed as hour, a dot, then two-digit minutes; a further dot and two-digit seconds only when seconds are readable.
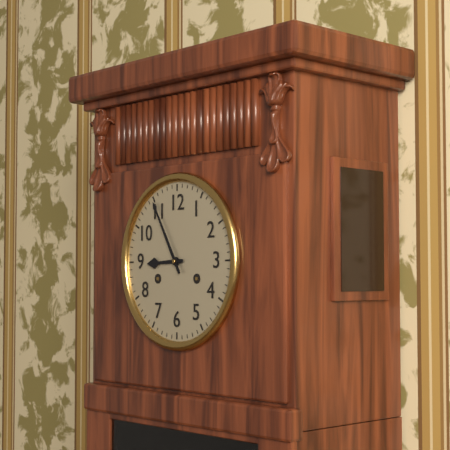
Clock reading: 8.55
